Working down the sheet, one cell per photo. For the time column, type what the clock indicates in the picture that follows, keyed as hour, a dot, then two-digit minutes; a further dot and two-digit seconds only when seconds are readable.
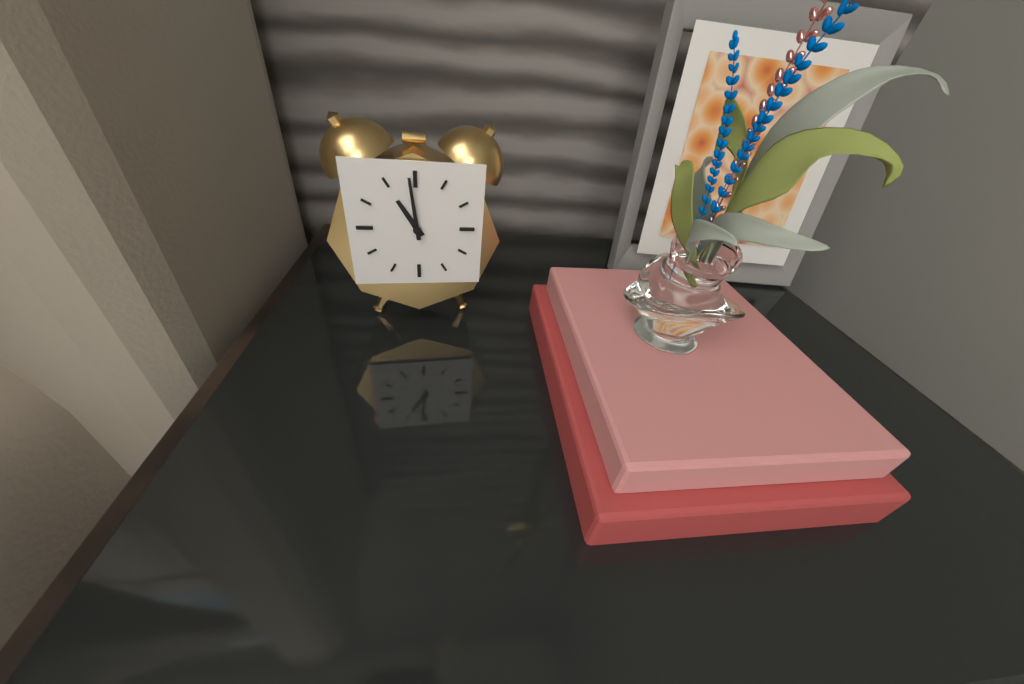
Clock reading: 10.59
